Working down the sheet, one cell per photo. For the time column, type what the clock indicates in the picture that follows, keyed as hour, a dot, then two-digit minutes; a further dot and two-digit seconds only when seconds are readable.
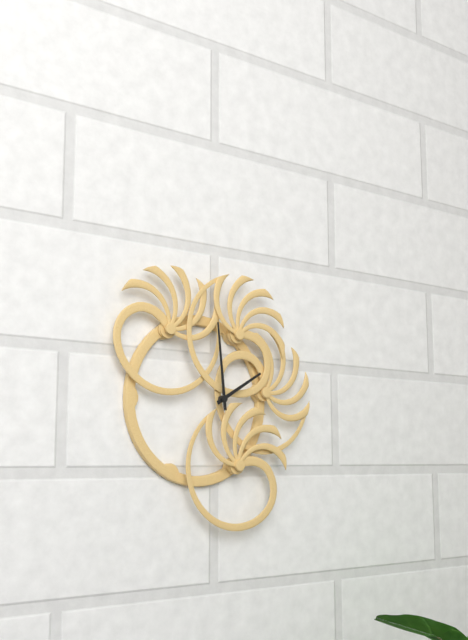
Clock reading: 1.59
